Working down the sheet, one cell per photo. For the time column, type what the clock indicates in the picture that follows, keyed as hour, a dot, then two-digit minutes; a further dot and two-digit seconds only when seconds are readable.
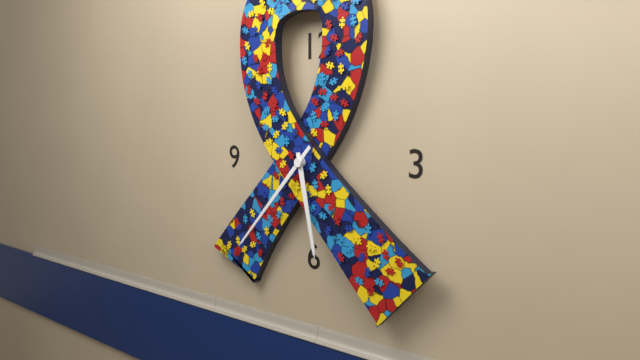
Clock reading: 5.37
